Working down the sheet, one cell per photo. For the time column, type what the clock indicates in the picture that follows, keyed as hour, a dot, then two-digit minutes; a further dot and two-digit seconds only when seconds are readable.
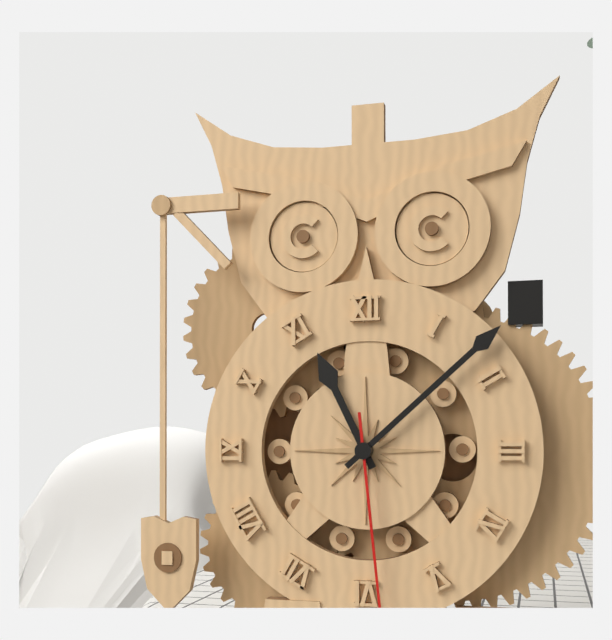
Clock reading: 11.08.29
